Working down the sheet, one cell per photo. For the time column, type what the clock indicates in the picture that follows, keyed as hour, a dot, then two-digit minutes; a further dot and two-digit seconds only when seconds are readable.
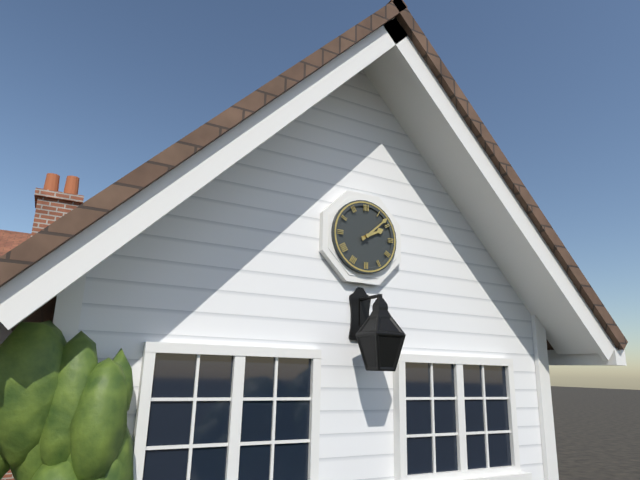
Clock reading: 2.08
